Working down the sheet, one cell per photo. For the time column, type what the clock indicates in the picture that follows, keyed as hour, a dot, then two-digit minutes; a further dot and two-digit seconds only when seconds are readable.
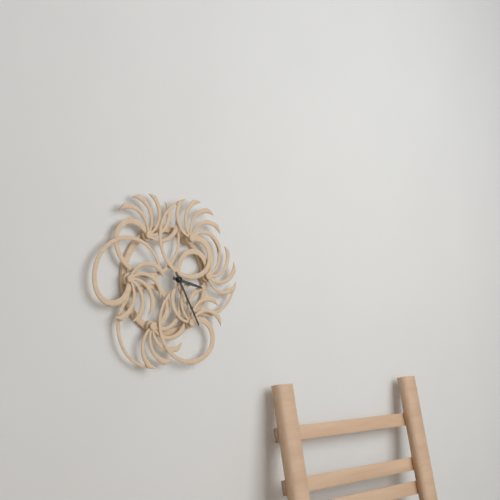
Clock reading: 3.25
